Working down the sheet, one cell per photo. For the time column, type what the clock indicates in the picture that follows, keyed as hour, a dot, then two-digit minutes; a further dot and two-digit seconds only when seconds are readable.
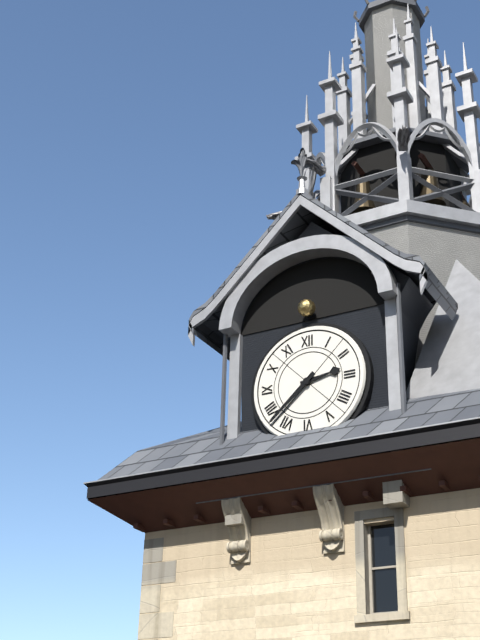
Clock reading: 2.38
